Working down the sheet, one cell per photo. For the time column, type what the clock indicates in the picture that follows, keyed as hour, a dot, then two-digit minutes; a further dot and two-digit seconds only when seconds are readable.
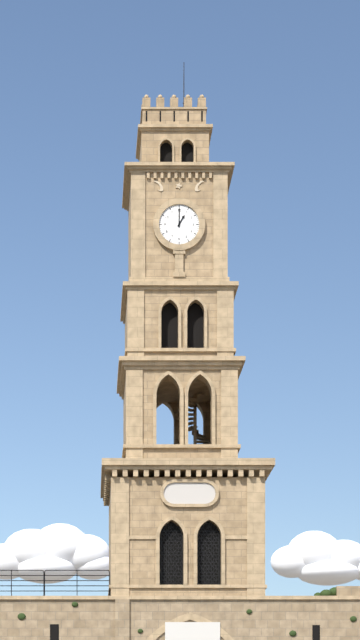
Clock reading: 1.00
